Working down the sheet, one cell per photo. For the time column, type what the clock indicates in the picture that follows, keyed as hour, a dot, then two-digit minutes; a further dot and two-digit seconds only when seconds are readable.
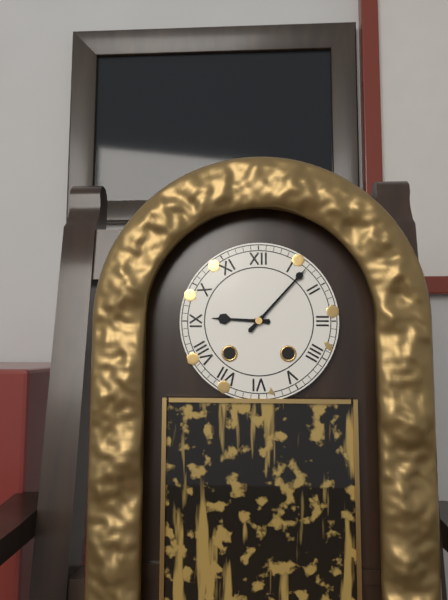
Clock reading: 9.07
